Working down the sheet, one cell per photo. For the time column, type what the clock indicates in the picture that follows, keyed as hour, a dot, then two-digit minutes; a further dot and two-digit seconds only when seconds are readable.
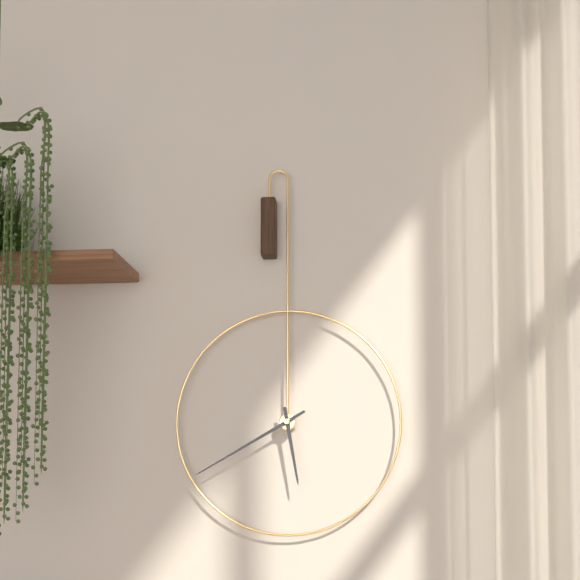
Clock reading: 5.40
